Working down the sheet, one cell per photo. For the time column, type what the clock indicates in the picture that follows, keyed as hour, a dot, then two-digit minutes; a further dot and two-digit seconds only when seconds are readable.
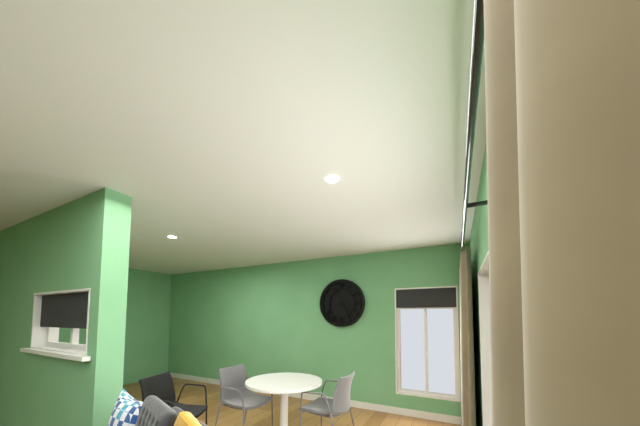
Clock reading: 4.56
